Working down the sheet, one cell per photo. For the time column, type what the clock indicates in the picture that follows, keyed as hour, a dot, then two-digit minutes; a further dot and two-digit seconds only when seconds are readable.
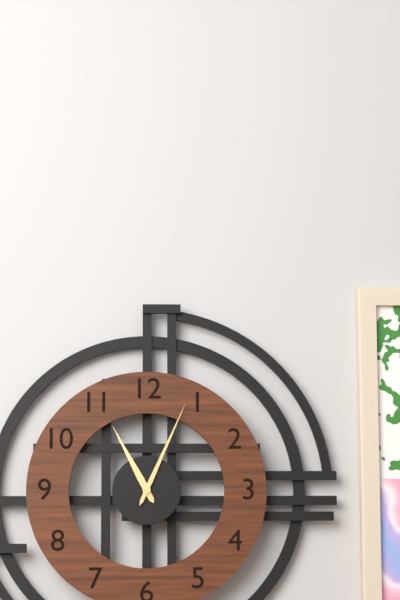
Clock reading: 11.04
